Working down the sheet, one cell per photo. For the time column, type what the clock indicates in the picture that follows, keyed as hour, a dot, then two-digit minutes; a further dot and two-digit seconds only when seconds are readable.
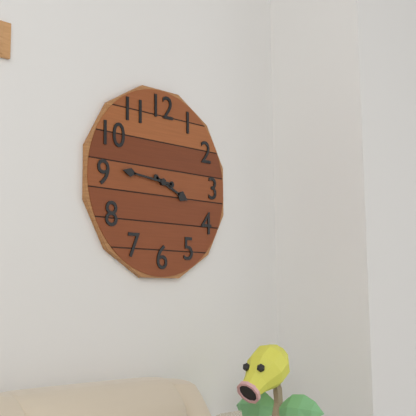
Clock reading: 3.46
